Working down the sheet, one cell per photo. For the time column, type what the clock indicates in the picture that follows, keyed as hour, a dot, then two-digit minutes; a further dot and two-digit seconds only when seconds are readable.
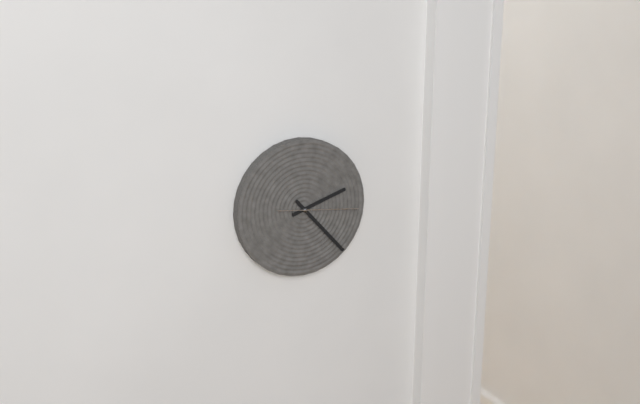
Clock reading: 2.23.16
